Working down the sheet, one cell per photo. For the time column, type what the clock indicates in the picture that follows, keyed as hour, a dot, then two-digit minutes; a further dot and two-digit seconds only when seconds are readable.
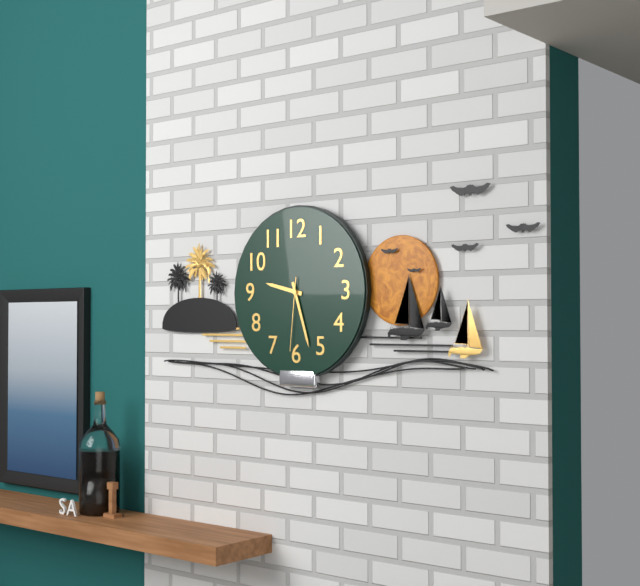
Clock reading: 9.27.31
